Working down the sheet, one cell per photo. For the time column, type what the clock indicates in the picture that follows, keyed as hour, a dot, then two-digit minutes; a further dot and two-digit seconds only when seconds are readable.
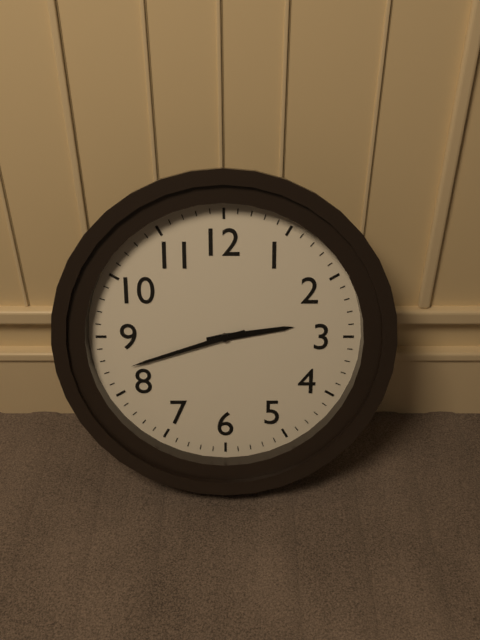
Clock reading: 2.42
